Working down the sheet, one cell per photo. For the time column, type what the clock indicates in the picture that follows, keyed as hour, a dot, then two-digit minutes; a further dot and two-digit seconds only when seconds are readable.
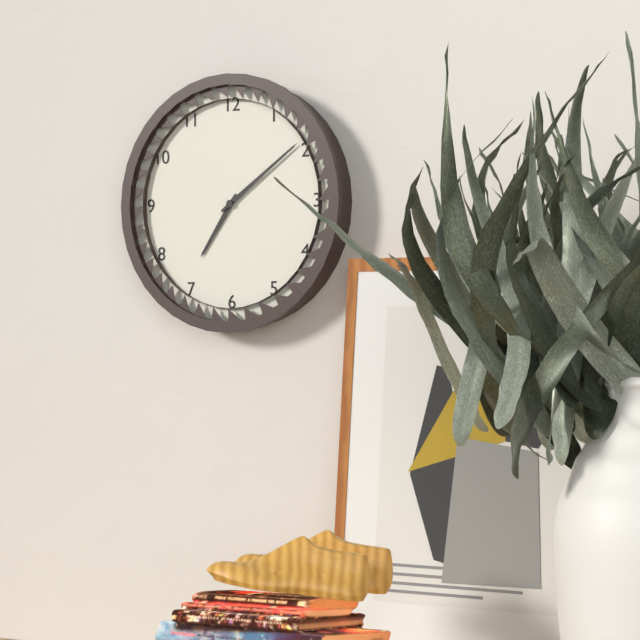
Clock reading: 7.09
